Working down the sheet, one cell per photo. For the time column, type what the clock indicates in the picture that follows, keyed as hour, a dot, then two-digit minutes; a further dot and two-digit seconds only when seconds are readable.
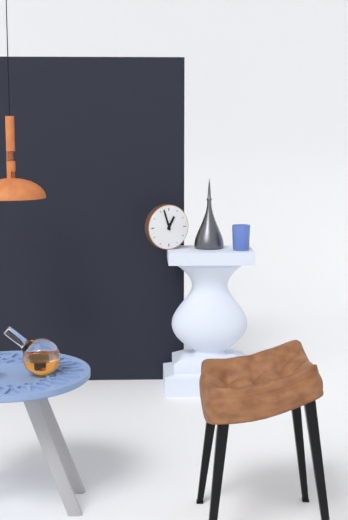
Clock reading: 12.57
